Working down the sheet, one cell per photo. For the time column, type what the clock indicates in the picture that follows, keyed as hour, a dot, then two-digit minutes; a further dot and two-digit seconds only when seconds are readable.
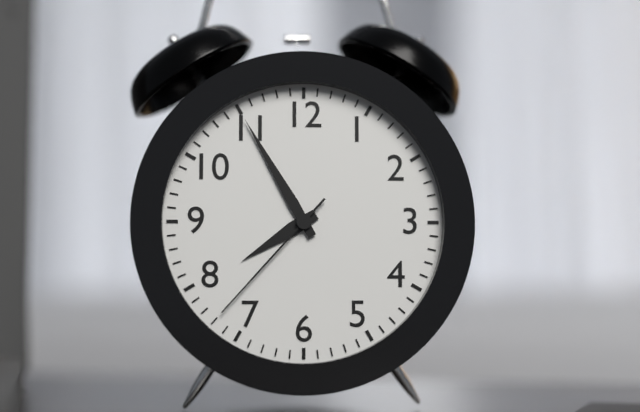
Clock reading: 7.55.37
